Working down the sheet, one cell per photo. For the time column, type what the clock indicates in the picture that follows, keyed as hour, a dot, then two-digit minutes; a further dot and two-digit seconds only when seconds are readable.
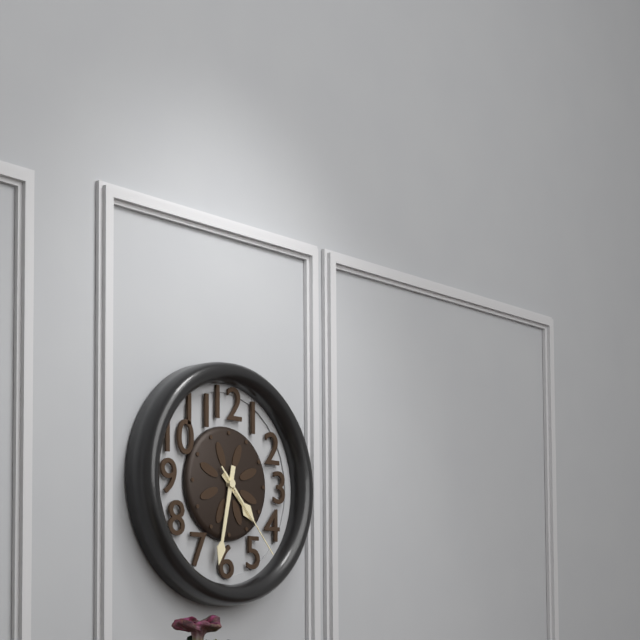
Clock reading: 4.32.23
